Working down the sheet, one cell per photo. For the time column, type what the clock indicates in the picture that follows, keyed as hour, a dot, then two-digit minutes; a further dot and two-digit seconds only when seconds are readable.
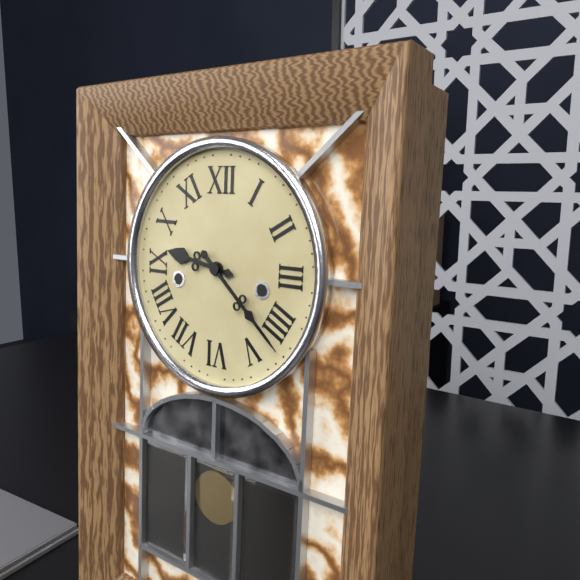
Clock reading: 9.22
